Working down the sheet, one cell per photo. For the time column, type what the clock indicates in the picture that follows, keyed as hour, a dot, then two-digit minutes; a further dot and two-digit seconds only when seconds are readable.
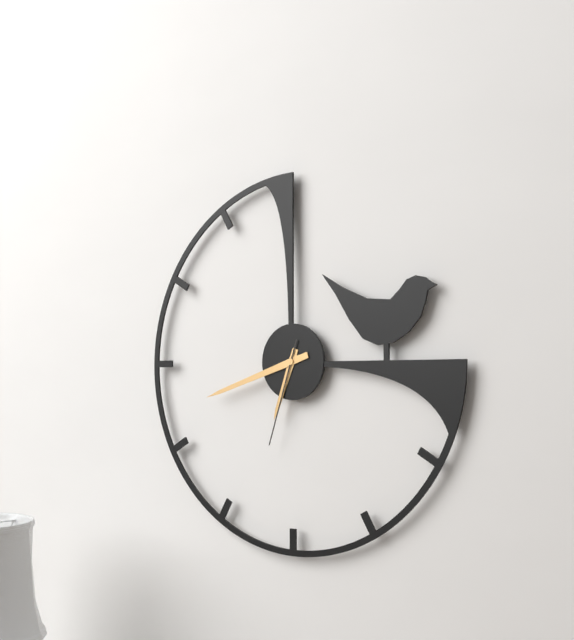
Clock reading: 6.42.33
